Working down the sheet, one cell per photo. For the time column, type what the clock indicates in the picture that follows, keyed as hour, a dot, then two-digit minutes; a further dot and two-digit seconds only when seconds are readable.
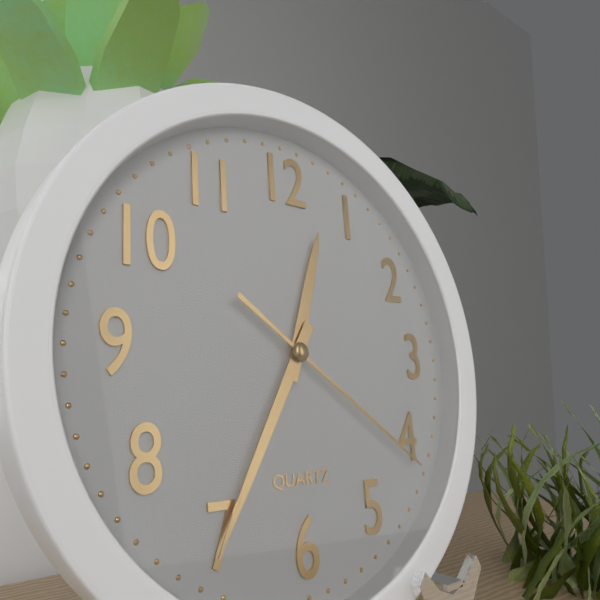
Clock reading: 12.35.21
